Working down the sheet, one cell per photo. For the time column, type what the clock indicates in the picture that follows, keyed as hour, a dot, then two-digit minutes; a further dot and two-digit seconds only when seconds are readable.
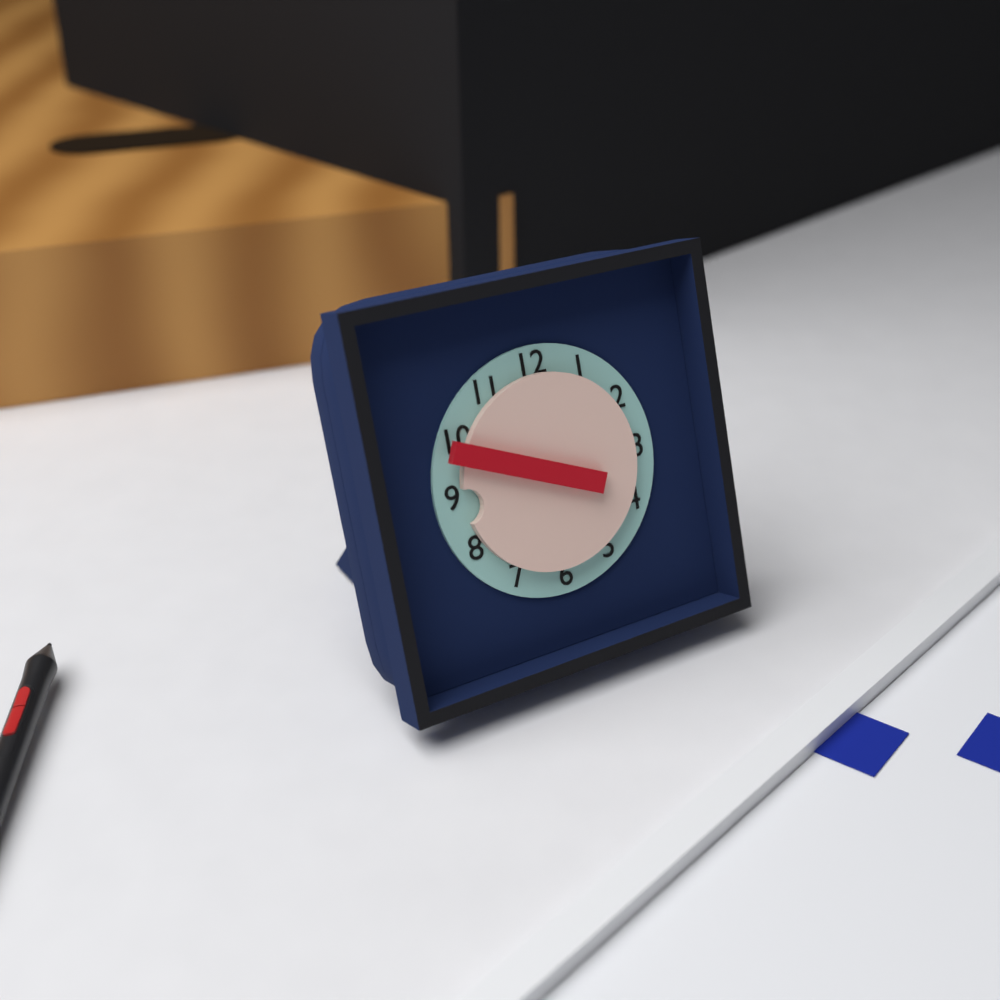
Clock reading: 8.49
